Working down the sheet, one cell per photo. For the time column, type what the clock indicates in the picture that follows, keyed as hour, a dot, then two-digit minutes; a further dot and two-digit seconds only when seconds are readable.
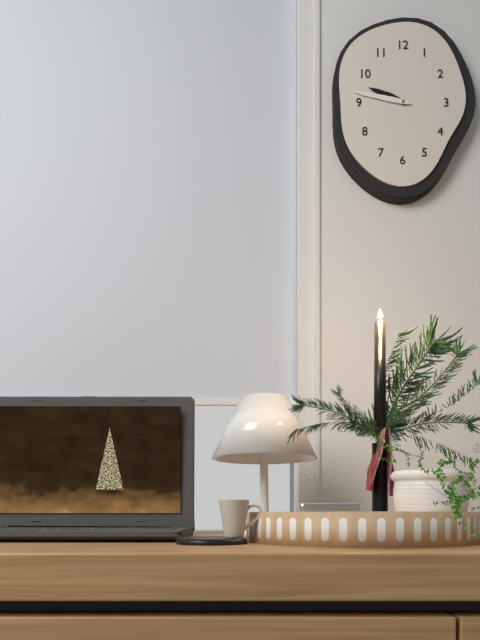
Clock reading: 9.47
